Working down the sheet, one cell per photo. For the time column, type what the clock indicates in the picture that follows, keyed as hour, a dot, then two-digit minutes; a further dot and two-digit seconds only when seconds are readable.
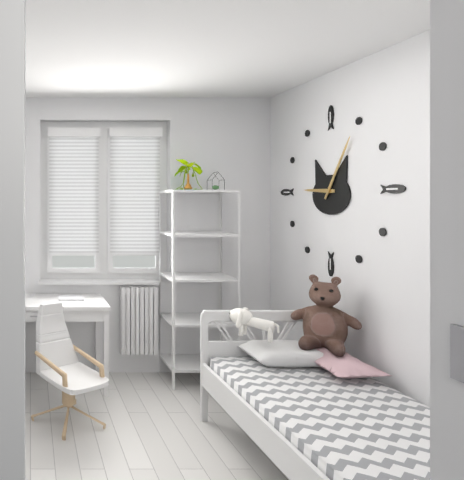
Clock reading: 9.05
